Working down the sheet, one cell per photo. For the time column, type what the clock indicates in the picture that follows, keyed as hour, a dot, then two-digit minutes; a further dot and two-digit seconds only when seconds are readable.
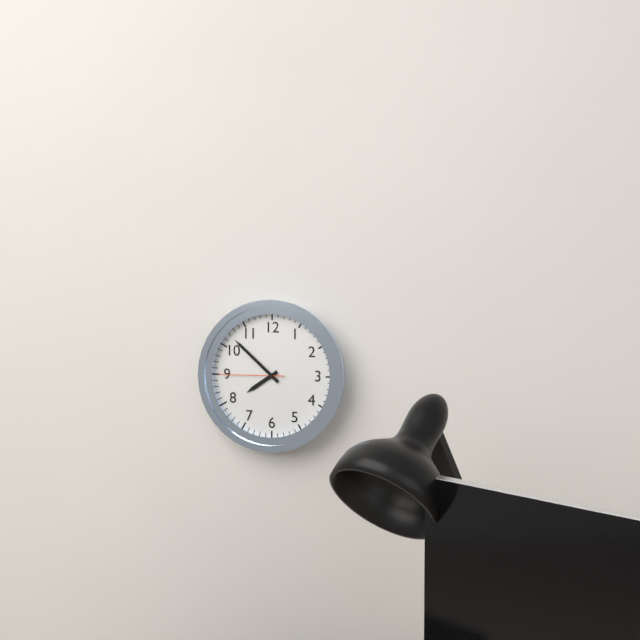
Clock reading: 7.52.45
